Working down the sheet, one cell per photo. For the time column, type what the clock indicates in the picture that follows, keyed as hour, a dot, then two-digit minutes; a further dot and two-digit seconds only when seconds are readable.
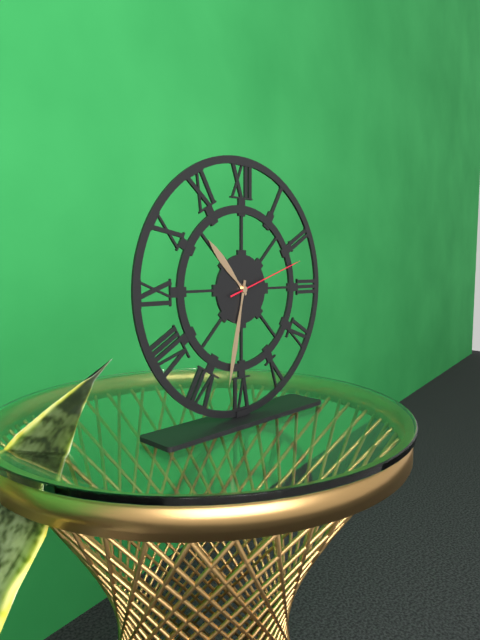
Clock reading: 10.32.12
